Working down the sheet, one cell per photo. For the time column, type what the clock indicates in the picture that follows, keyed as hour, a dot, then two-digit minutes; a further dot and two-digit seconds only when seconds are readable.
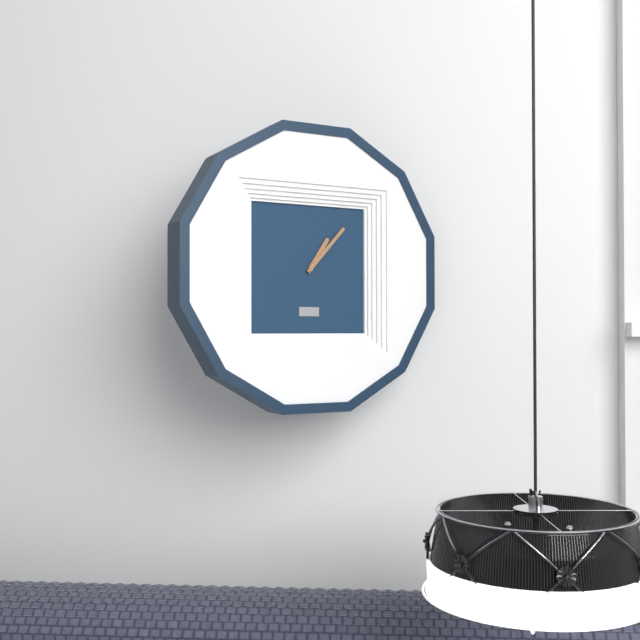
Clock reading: 1.07
